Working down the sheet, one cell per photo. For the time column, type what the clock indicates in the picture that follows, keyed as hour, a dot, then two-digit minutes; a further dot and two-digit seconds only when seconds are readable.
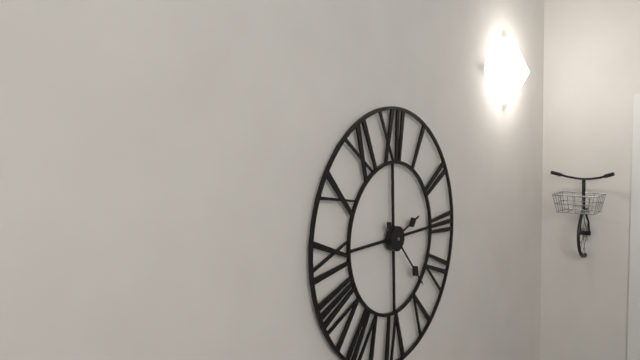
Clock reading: 2.23
